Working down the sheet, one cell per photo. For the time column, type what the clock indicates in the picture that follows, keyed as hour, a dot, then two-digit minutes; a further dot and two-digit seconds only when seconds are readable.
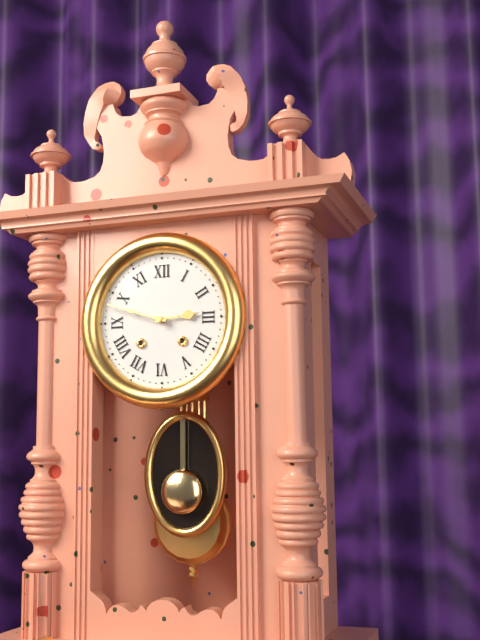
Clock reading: 2.48
